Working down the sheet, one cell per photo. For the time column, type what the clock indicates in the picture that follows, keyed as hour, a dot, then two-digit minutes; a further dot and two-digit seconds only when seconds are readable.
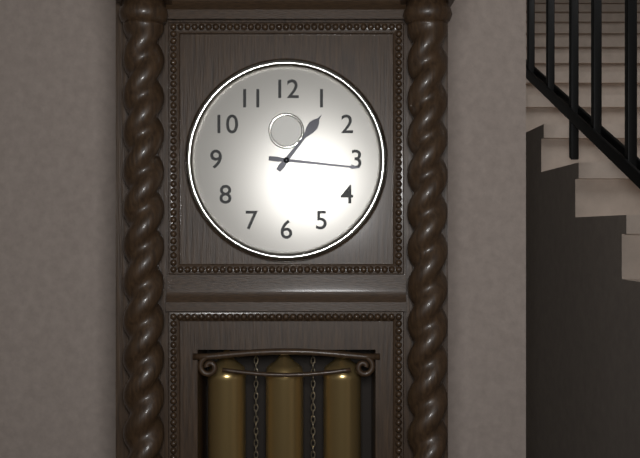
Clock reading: 1.16
